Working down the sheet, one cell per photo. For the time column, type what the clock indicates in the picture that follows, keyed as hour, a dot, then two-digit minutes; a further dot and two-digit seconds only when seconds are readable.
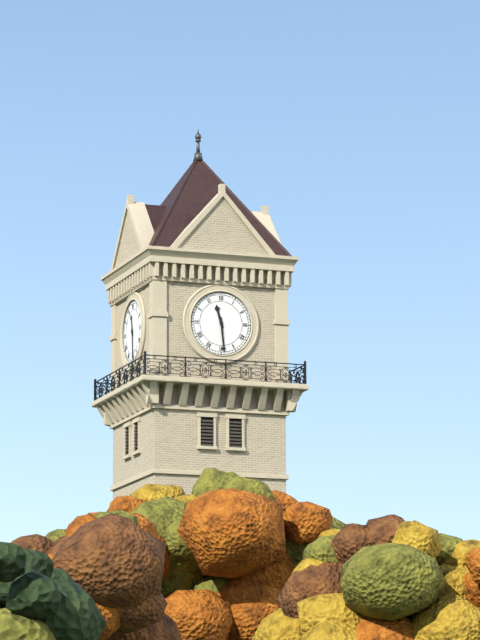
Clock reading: 11.29
